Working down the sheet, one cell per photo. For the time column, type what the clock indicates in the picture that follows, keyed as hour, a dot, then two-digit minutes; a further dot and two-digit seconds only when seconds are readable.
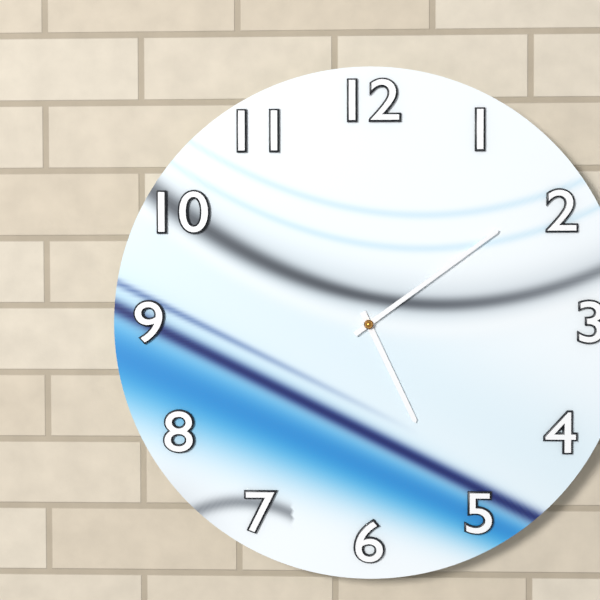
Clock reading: 5.09
